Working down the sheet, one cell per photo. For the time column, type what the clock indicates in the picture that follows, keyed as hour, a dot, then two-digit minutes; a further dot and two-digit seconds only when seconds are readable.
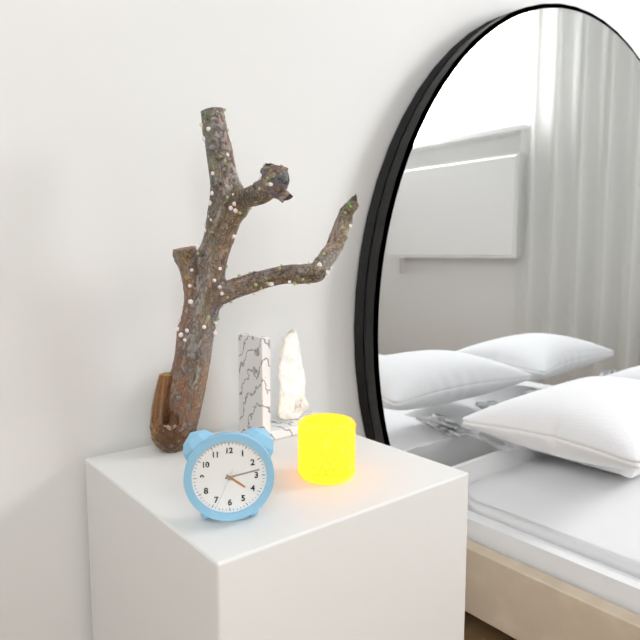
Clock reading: 4.13
